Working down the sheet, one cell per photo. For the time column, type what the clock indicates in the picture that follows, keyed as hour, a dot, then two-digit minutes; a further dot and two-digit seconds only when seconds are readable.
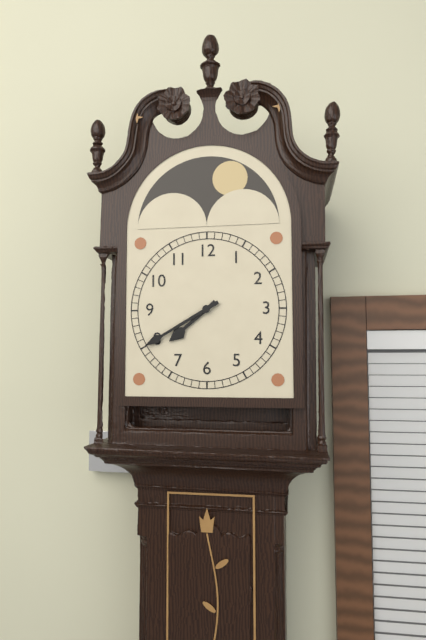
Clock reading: 7.40
